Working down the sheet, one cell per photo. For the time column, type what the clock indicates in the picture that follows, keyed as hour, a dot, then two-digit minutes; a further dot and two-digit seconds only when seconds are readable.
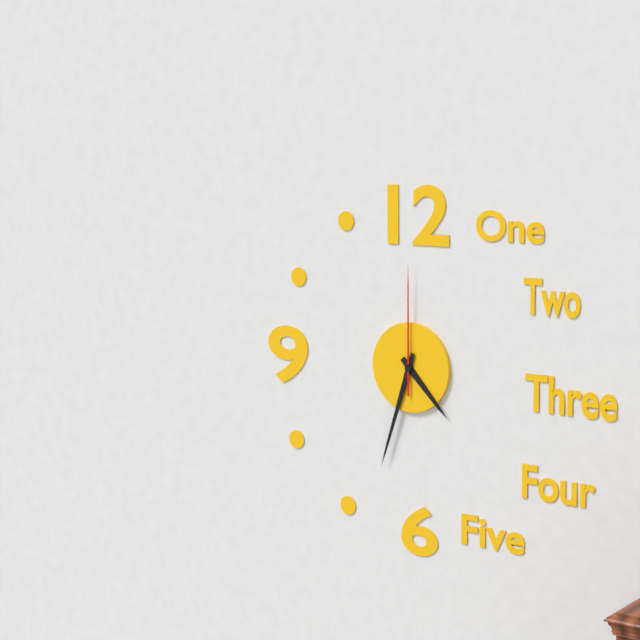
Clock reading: 4.33.00
